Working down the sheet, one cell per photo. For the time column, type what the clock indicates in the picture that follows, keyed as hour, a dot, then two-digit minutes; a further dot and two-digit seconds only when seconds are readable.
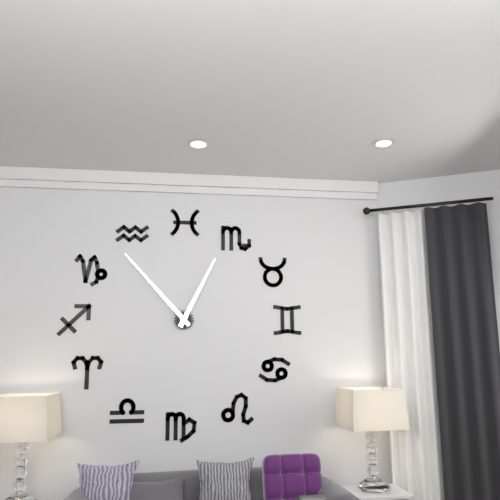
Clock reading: 12.53
